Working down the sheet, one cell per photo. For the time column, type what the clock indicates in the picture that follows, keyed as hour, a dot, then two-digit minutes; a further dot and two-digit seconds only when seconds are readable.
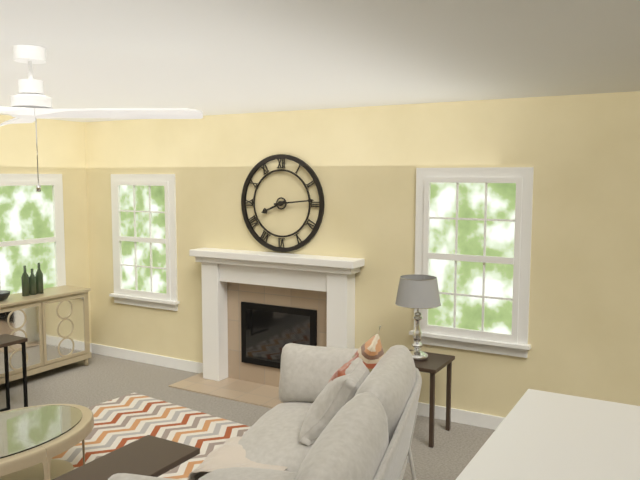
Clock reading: 8.14
